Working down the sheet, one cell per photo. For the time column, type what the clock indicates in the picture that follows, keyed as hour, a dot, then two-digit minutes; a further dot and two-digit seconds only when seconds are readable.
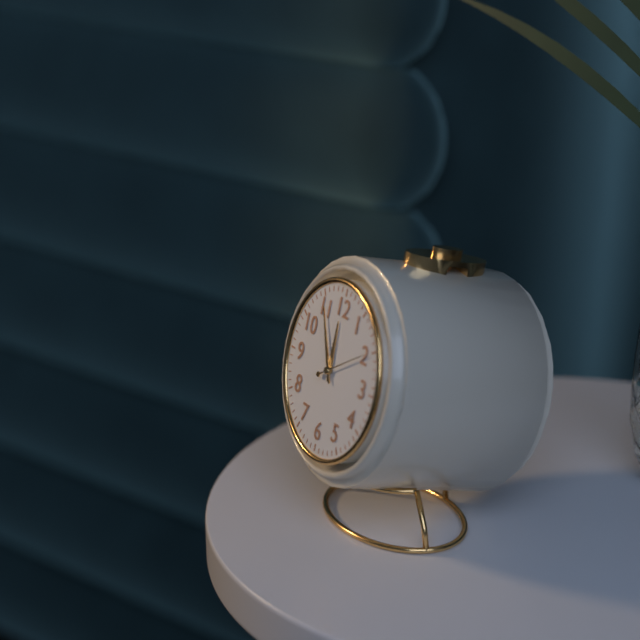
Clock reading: 11.55.10
